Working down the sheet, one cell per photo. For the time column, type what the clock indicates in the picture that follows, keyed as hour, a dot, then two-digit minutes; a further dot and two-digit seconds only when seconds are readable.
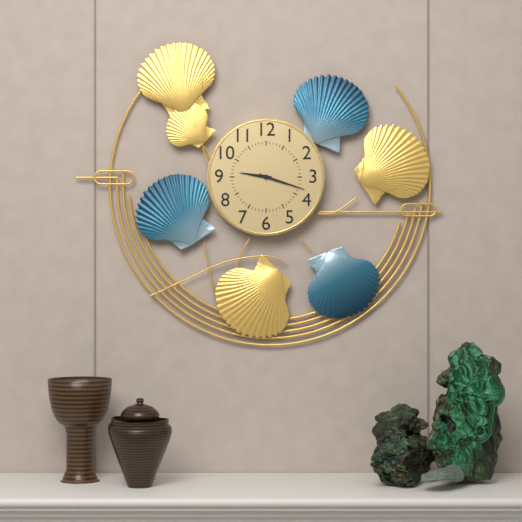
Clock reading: 9.18
